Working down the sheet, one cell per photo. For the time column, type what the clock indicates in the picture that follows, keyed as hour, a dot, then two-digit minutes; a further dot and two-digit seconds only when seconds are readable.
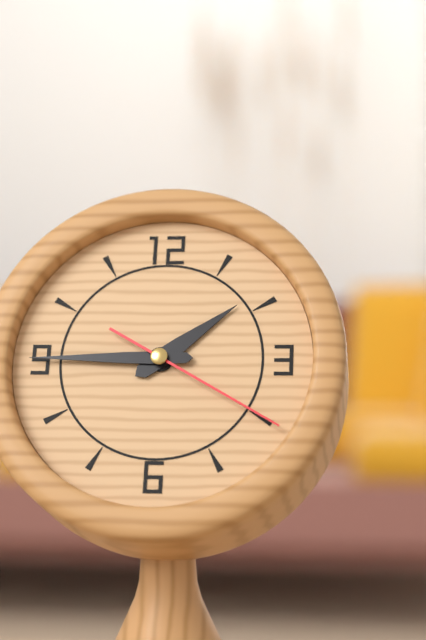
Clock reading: 1.45.20
